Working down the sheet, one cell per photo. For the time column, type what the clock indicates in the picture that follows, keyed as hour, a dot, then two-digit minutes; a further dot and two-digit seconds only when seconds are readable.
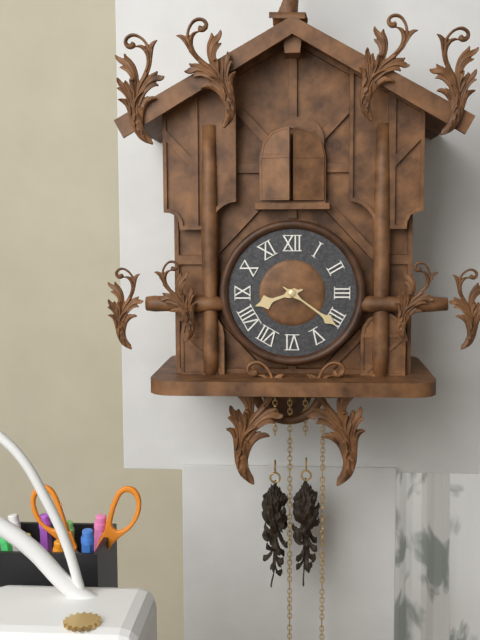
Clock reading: 8.21
